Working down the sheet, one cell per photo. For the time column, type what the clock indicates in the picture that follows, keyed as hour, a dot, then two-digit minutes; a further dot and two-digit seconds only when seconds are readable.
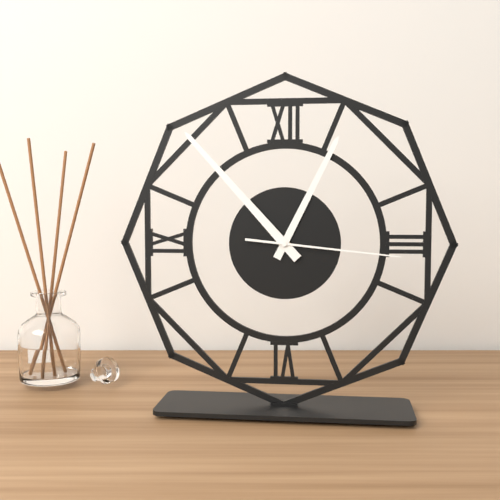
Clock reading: 12.53.16
